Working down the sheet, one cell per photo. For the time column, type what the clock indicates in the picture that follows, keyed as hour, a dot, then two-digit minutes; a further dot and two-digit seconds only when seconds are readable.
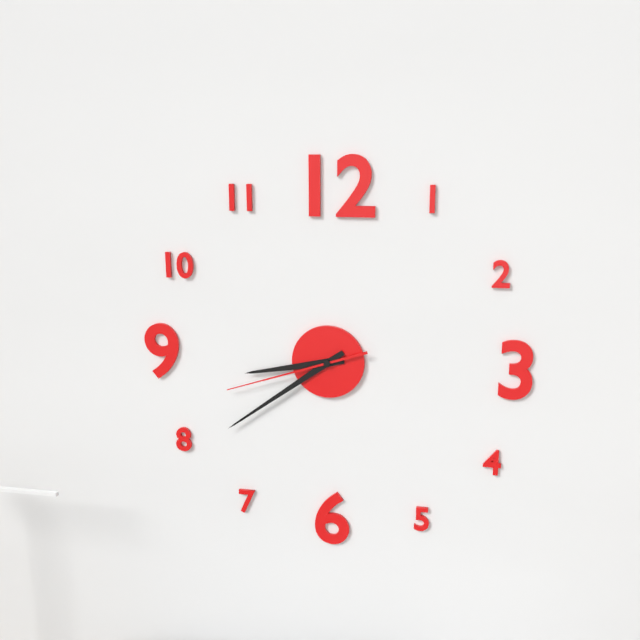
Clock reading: 8.39.42
